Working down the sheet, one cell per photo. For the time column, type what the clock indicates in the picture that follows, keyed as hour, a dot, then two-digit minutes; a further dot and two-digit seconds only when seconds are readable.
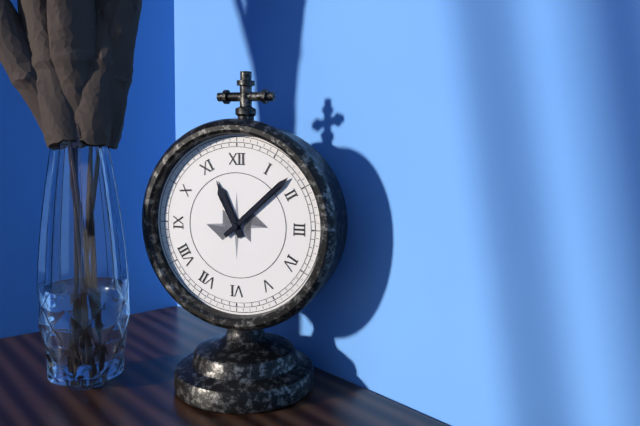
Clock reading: 11.08
